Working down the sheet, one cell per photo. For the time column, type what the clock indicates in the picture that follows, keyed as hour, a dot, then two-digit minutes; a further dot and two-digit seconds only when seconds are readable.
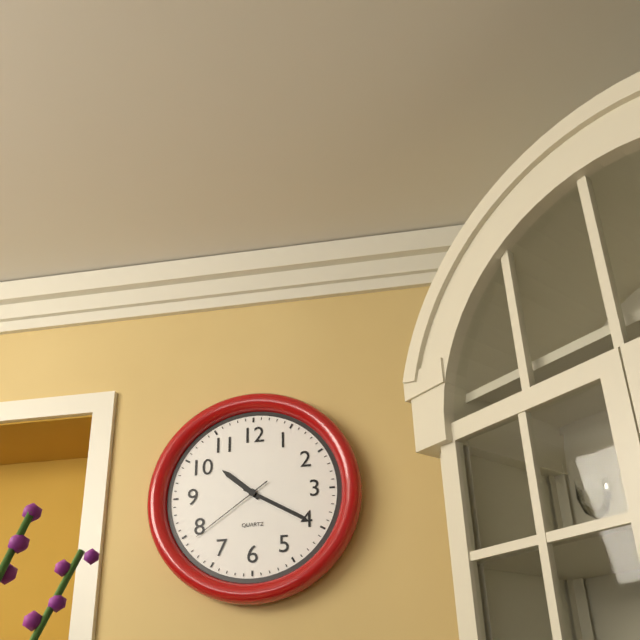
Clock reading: 10.20.39
